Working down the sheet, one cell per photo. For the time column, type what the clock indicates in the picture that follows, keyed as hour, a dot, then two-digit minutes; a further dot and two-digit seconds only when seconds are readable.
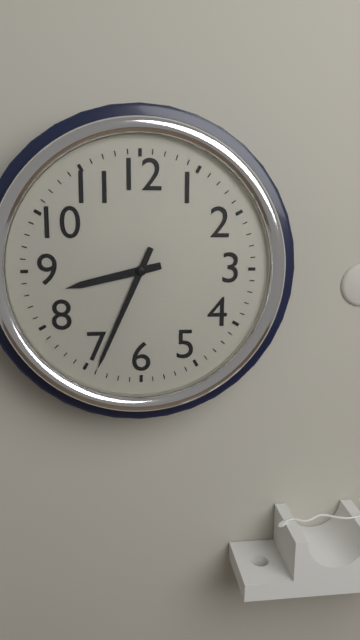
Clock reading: 8.34
